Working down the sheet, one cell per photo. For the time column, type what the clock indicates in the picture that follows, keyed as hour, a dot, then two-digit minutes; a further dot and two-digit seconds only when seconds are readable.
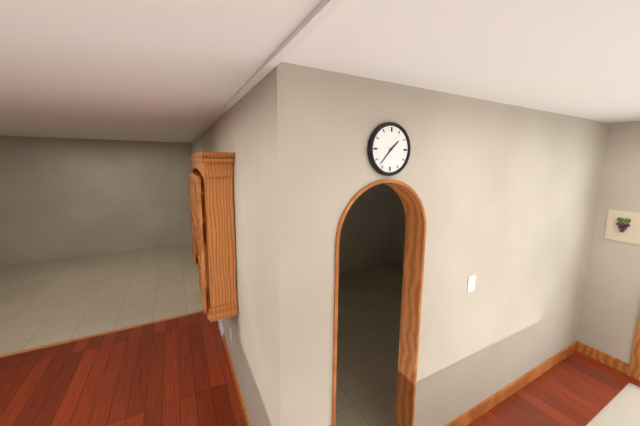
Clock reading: 1.37
